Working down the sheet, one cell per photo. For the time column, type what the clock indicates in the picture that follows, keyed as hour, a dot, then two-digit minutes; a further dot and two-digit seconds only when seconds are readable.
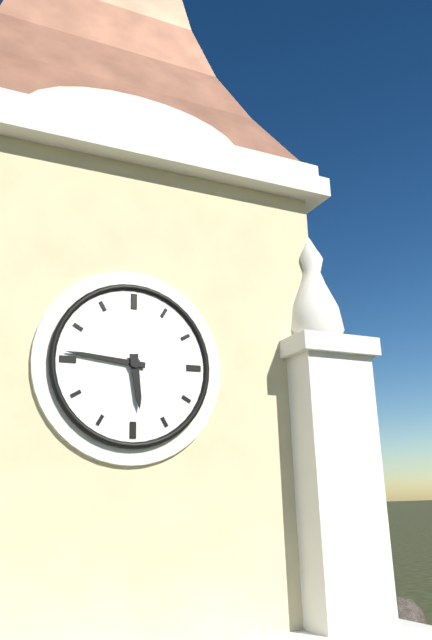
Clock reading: 5.46
